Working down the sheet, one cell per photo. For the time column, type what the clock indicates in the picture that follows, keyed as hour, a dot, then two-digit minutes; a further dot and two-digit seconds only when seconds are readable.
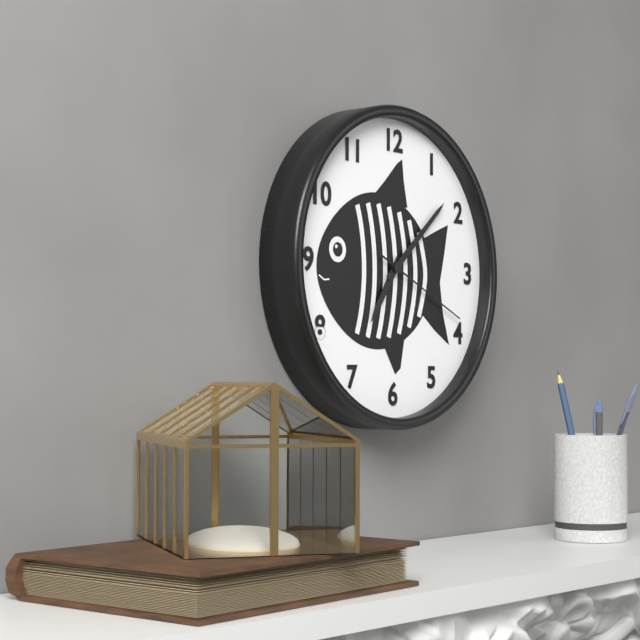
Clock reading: 7.08.19
